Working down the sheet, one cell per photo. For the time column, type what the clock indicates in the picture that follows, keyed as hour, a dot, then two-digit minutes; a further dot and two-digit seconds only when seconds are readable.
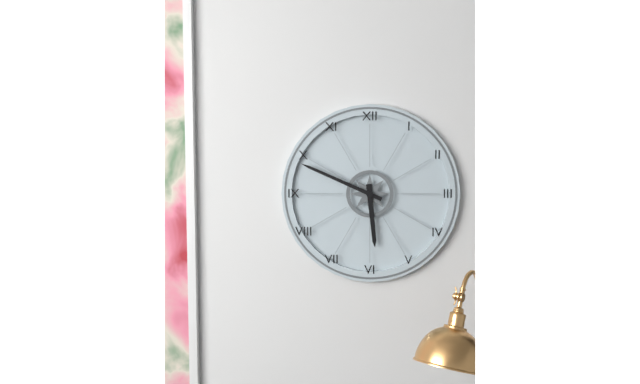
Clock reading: 5.49
